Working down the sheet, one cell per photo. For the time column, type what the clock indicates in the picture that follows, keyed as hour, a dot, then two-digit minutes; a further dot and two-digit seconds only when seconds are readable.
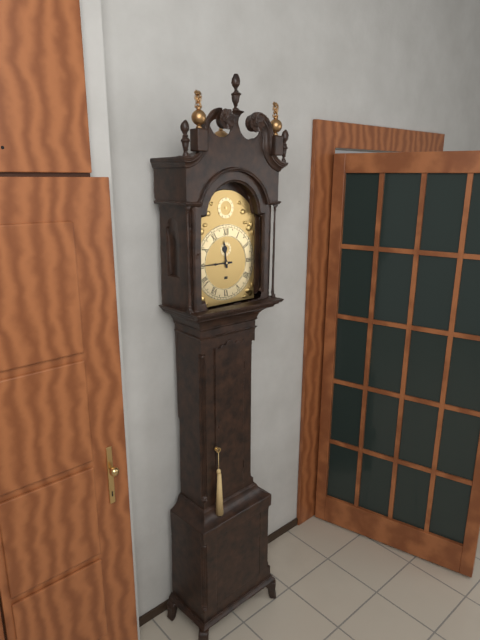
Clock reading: 11.45
